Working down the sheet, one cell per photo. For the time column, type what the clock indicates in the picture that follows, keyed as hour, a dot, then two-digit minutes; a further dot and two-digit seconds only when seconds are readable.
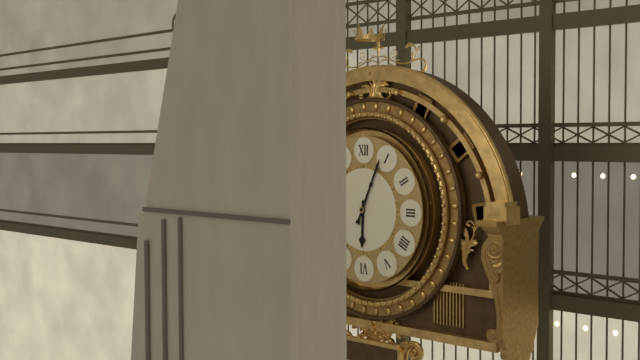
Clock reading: 6.04
